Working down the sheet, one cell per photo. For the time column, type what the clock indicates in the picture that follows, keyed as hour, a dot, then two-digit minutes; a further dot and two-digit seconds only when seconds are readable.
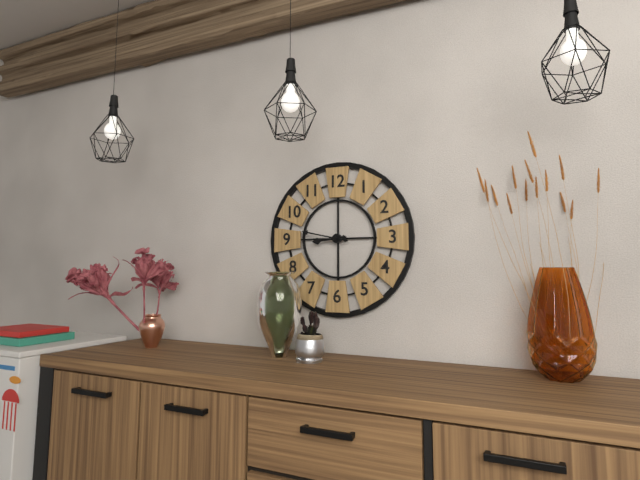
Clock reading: 8.47
